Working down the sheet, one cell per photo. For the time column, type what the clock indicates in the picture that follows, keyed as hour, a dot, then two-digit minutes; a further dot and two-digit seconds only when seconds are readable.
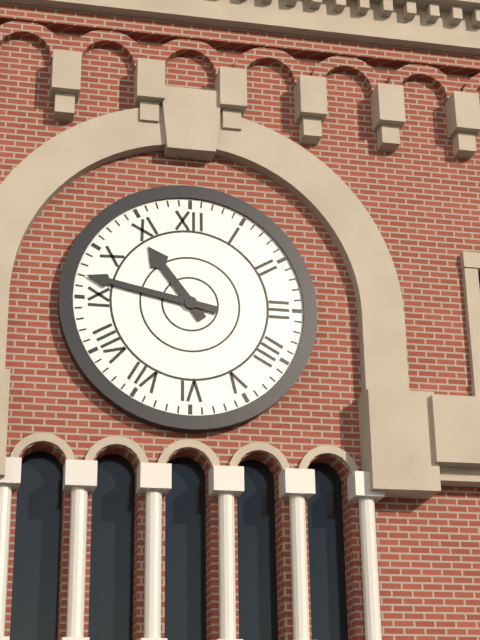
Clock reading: 10.47
